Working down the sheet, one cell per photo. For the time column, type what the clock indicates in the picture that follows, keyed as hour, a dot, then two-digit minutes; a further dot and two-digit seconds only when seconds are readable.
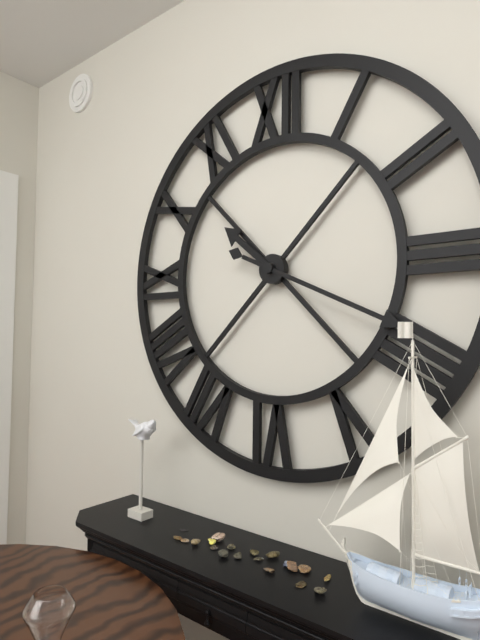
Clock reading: 10.19
